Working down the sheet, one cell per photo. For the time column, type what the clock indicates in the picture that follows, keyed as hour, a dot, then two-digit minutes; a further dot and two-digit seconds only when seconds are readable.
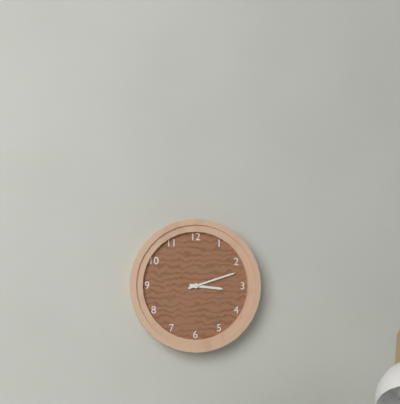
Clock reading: 3.12
